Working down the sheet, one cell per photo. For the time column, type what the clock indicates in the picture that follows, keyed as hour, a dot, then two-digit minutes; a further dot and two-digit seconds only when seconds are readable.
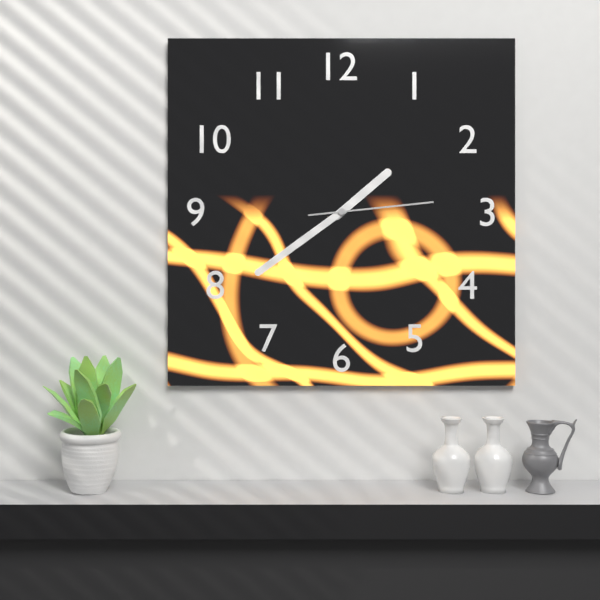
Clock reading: 1.39.14
